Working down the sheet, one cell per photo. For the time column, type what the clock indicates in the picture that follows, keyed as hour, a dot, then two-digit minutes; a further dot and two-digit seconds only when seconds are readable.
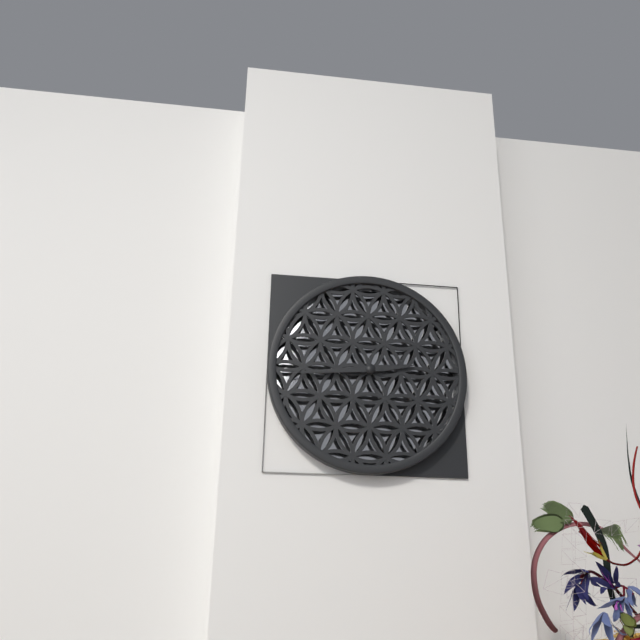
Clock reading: 2.44
